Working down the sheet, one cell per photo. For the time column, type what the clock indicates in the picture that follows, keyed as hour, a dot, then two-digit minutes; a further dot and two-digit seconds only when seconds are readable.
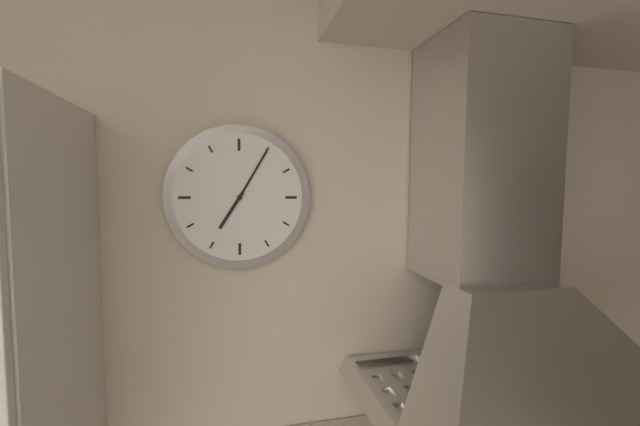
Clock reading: 7.05
